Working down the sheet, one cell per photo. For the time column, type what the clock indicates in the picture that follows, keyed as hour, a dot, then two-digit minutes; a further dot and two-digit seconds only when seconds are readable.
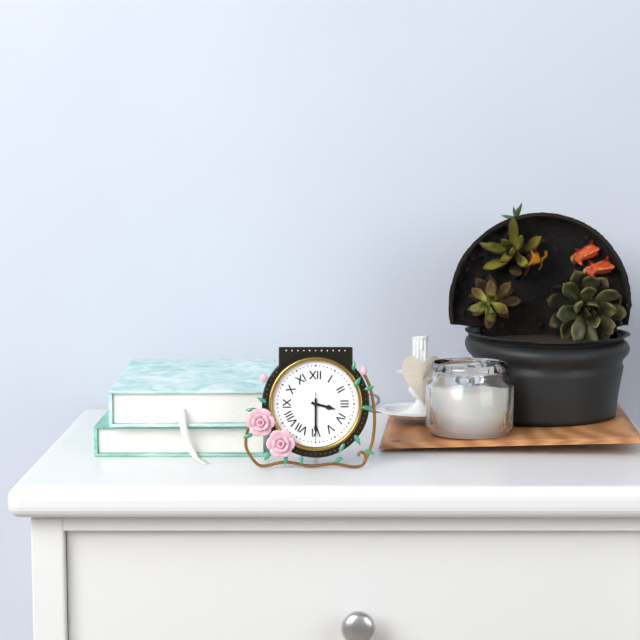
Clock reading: 3.30
